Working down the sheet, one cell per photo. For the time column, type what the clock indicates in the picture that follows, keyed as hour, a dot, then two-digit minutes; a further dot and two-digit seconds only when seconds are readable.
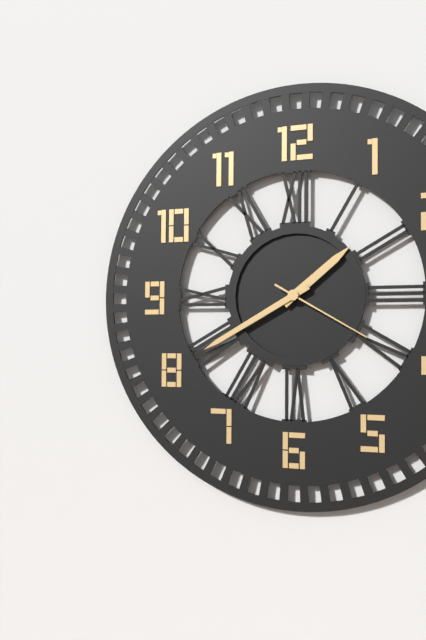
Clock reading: 1.40.20
